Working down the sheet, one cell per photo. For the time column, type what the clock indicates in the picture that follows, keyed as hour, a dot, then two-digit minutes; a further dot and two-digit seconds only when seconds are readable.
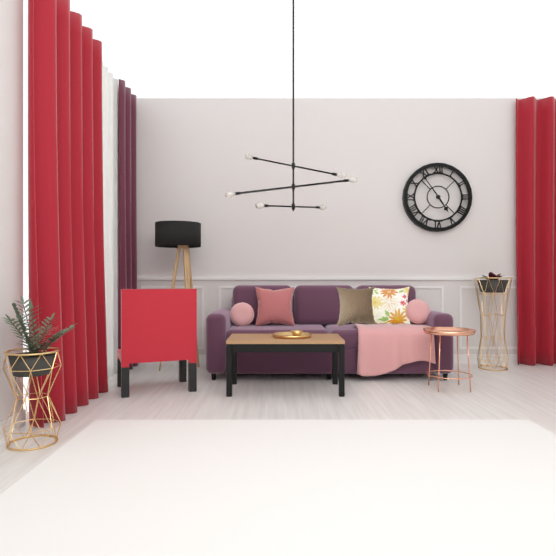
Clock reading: 4.54
